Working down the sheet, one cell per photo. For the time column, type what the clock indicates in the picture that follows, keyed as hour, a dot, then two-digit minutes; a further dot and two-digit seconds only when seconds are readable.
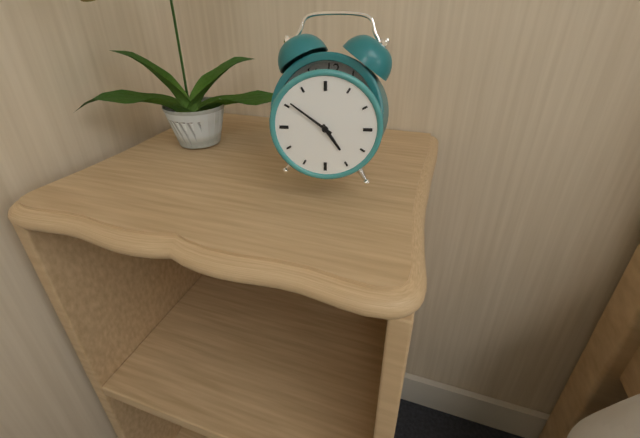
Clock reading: 4.51
